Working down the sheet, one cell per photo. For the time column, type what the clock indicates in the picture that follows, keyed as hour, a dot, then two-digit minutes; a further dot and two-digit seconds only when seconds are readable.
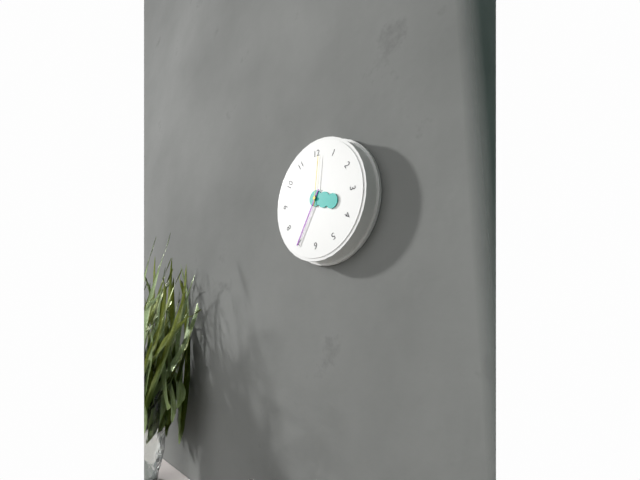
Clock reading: 3.35.01
